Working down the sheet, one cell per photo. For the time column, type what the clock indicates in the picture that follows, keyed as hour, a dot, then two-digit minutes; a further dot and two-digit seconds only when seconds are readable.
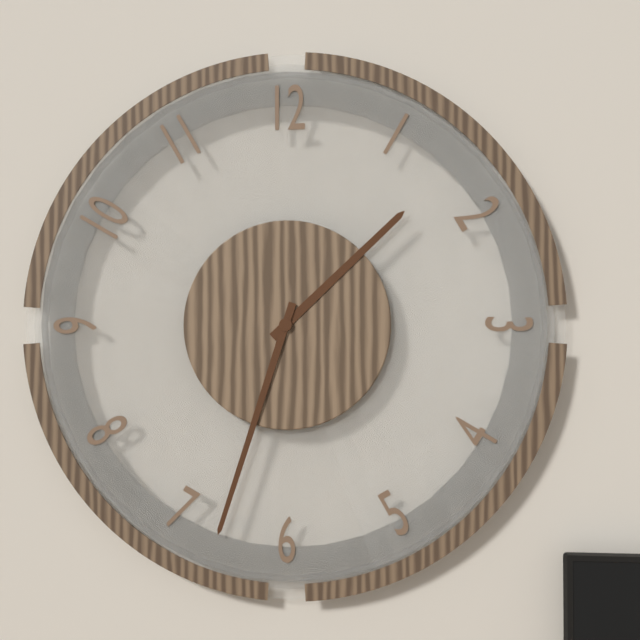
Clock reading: 1.33
